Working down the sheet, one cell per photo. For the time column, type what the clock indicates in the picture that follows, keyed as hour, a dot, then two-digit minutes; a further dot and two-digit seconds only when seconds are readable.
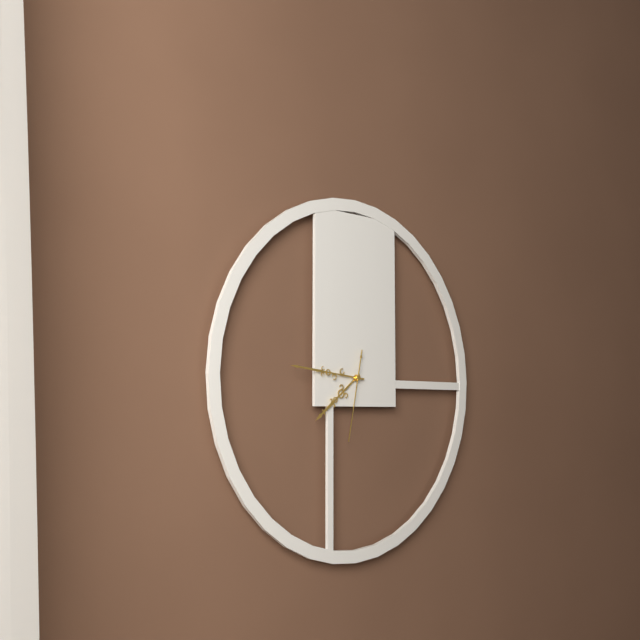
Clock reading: 7.46.32
